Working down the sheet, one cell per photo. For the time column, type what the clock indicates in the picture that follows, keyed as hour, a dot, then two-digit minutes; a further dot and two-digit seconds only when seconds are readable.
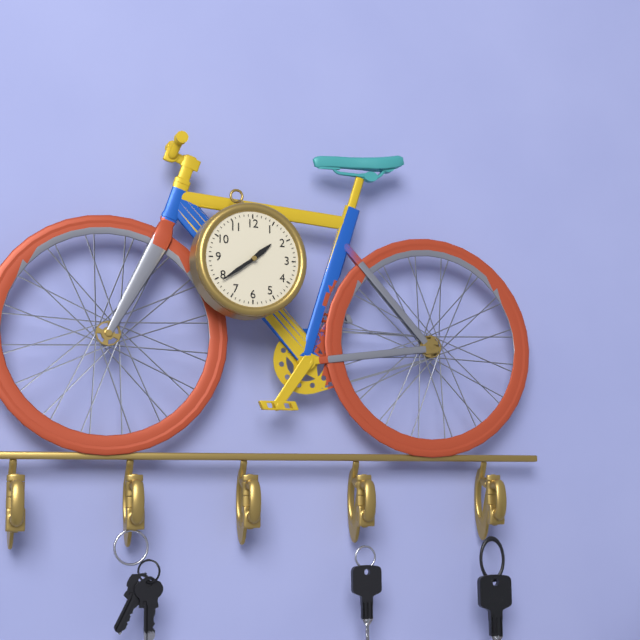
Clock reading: 1.39
